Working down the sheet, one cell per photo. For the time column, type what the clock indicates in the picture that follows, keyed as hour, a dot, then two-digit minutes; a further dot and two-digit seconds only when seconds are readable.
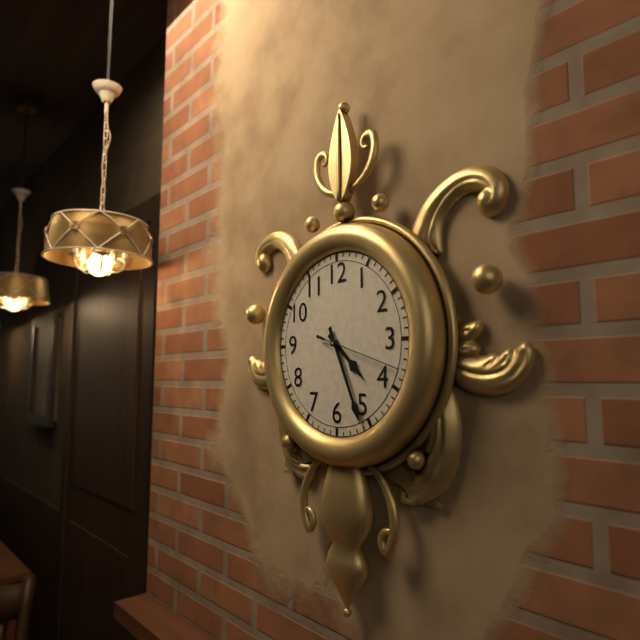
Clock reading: 4.26.18
